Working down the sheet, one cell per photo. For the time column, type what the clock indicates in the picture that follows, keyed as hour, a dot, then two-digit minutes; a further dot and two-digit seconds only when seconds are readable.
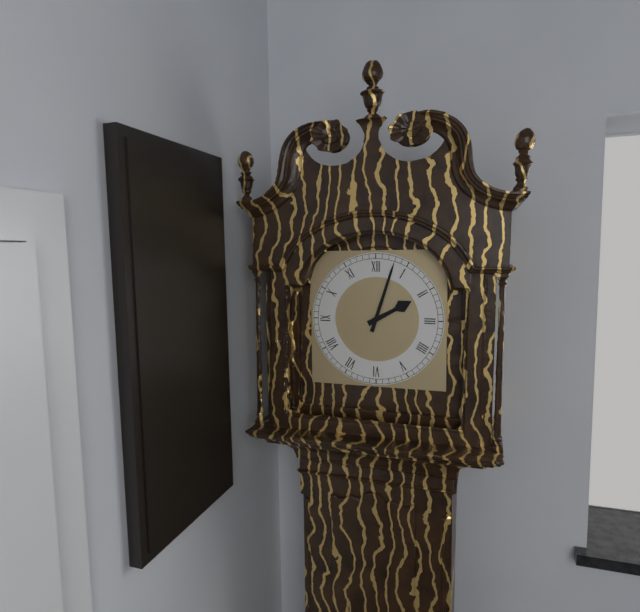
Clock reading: 2.03
